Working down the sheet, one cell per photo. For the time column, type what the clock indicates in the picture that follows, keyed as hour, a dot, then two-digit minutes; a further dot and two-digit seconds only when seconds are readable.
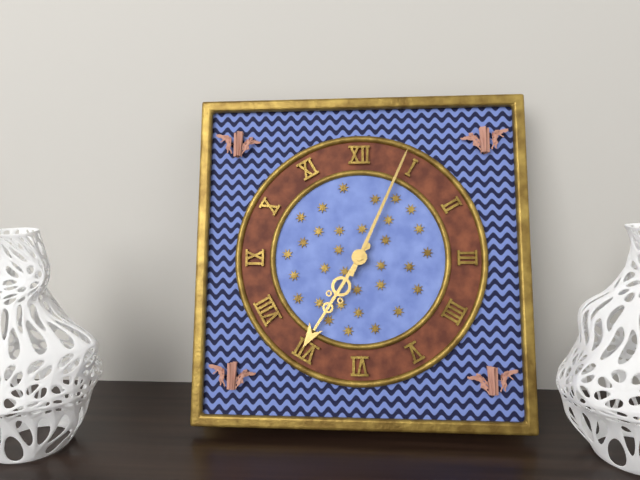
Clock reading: 7.04
